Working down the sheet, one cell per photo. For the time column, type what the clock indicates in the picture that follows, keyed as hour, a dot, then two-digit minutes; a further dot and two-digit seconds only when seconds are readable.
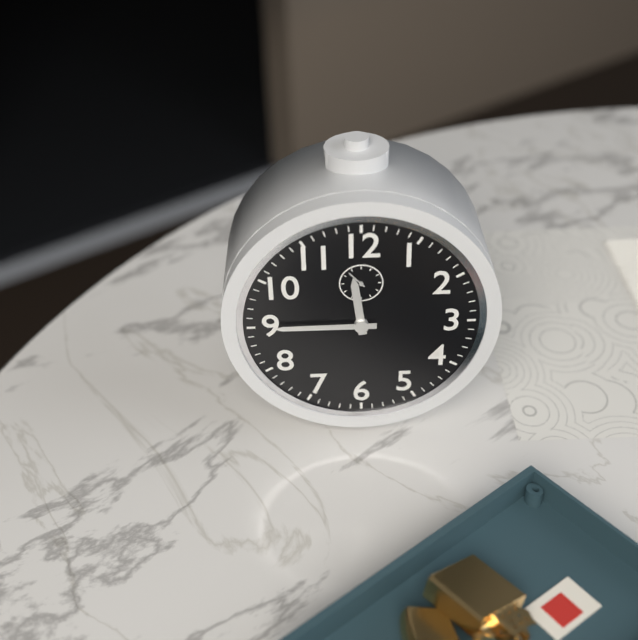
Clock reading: 11.45
